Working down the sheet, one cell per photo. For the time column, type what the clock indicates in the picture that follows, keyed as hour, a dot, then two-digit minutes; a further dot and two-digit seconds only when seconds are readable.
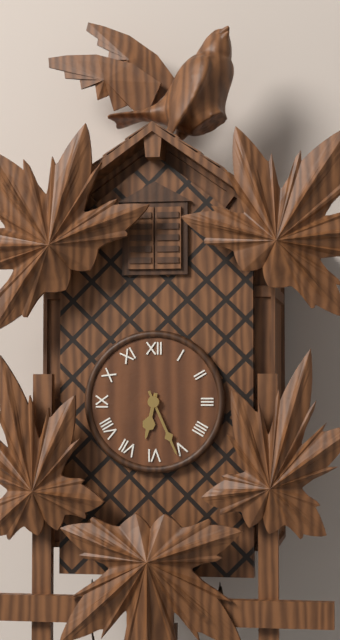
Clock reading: 6.26
